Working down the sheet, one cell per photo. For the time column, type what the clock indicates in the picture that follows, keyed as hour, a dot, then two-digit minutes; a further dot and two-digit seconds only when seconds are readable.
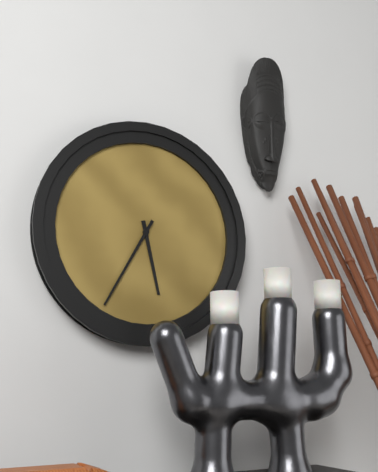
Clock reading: 5.35
